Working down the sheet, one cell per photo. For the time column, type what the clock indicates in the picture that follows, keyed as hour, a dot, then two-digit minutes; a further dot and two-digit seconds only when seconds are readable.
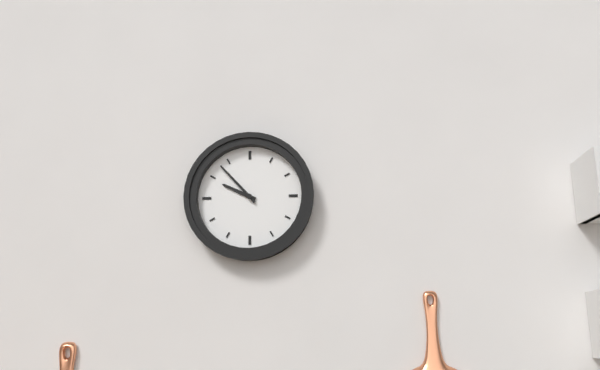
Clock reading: 9.53
